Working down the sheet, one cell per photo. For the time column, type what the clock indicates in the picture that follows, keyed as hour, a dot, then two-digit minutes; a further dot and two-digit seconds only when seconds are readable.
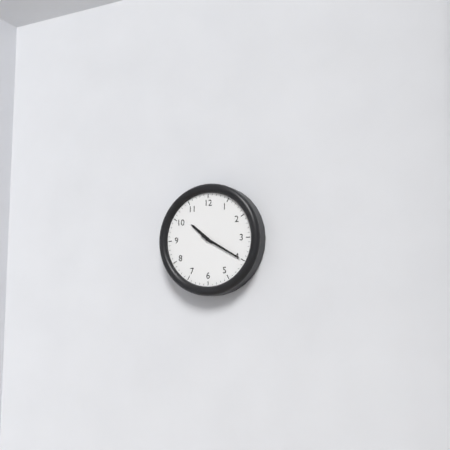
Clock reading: 10.20
